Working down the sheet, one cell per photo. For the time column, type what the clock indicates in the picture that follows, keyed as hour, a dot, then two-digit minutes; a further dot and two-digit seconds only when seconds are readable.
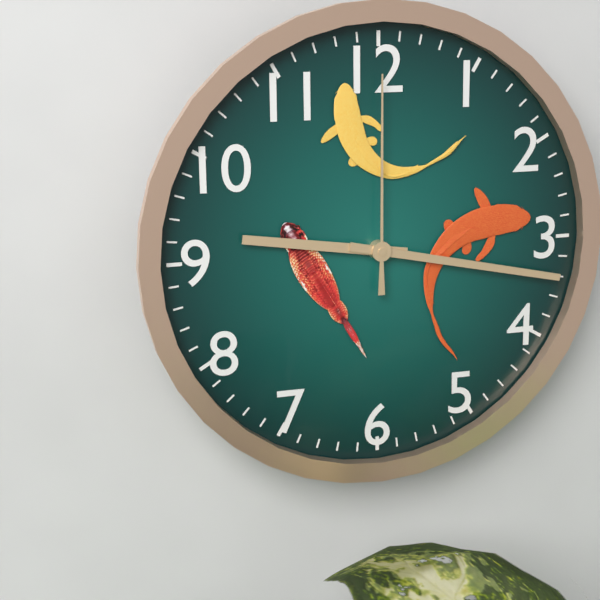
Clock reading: 9.17.00
